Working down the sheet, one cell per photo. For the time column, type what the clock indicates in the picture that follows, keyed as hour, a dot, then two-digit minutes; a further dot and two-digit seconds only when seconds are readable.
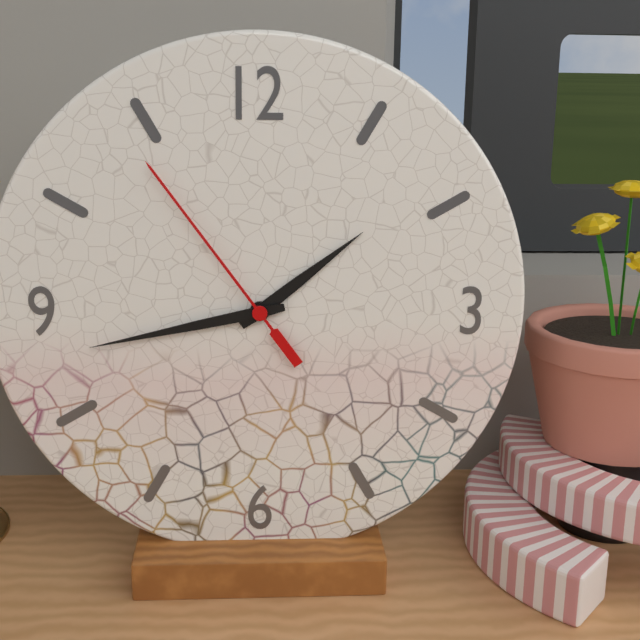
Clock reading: 1.43.54
